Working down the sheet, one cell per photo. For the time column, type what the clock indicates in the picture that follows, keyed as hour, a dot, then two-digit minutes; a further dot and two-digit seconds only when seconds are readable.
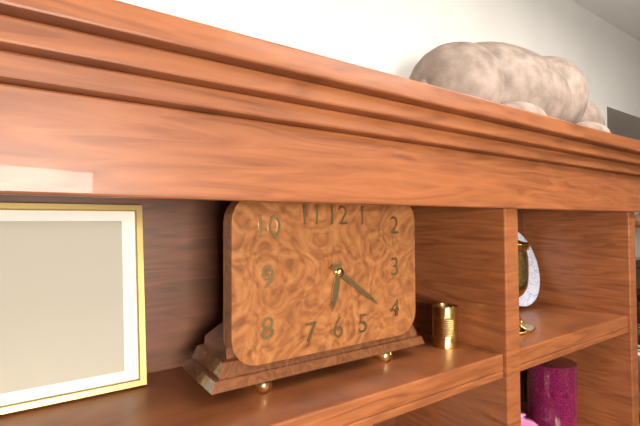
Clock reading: 6.21
